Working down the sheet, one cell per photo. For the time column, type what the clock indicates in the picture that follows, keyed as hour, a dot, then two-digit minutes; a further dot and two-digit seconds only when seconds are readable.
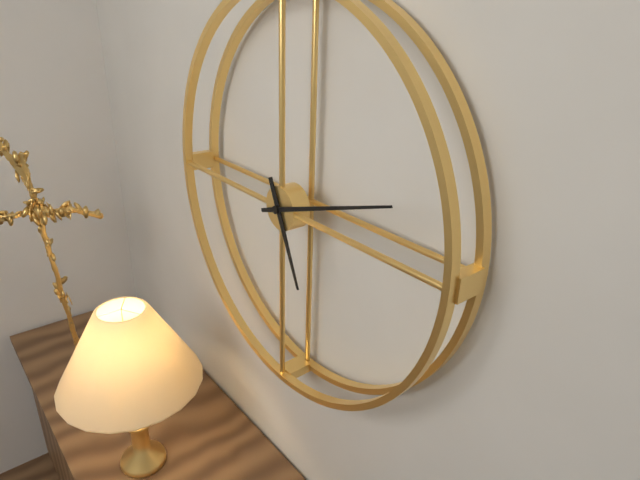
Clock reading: 5.12
